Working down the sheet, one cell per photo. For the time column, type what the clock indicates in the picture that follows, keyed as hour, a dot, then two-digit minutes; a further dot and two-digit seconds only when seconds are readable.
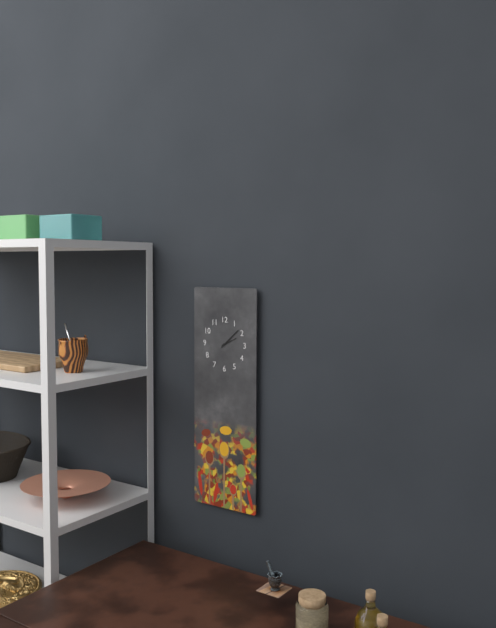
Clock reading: 2.08
